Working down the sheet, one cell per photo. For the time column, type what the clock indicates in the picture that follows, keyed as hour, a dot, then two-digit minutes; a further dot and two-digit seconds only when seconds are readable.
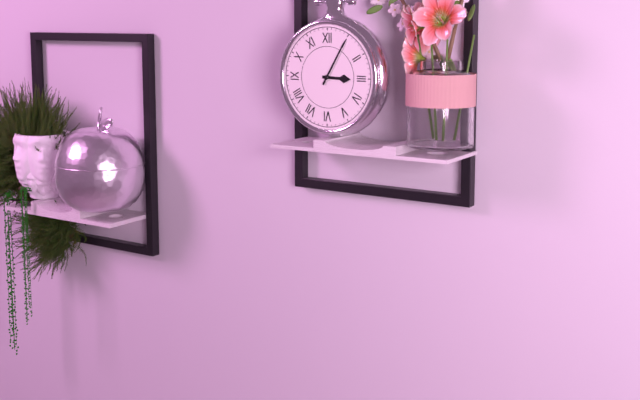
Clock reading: 3.05
